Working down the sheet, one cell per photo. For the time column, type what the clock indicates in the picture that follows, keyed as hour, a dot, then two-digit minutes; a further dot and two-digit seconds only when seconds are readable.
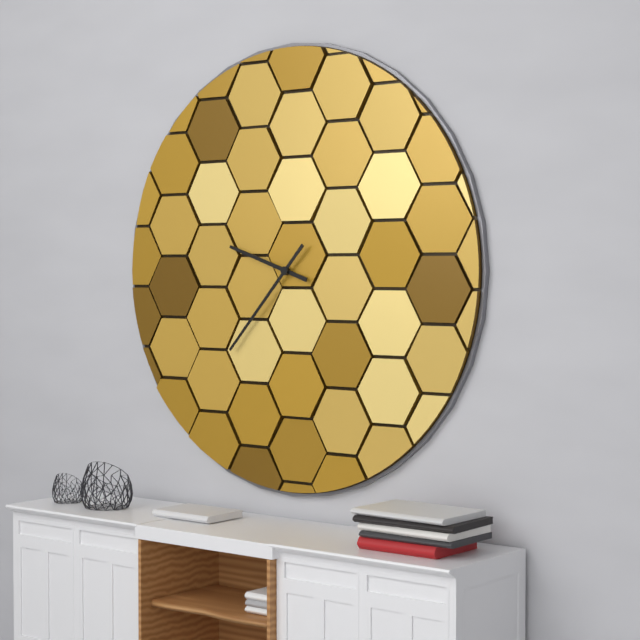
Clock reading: 9.37
